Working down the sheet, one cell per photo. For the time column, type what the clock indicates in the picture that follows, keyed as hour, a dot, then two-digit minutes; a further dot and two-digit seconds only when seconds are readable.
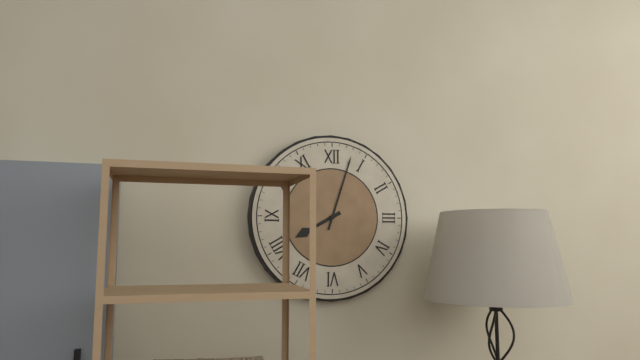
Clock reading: 8.03
